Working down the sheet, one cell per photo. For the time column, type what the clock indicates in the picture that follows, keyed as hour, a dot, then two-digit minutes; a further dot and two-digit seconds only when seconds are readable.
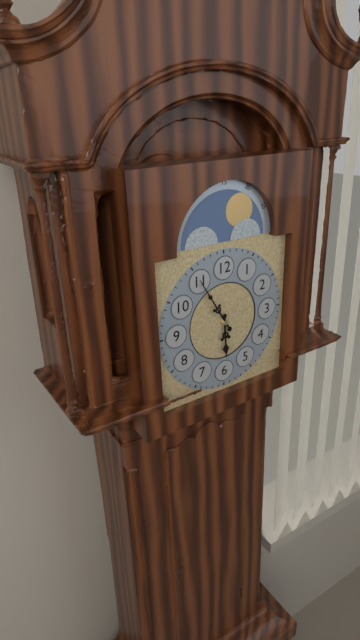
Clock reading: 5.55
